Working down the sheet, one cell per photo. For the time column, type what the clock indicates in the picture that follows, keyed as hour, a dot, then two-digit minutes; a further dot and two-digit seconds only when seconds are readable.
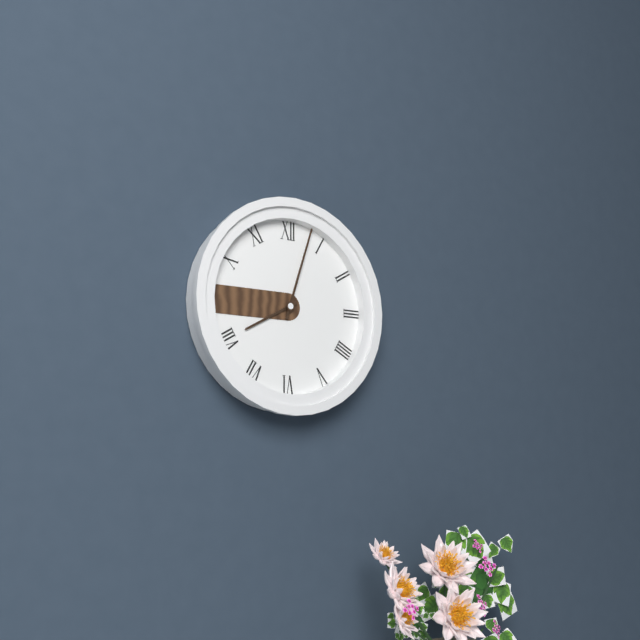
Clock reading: 8.03
